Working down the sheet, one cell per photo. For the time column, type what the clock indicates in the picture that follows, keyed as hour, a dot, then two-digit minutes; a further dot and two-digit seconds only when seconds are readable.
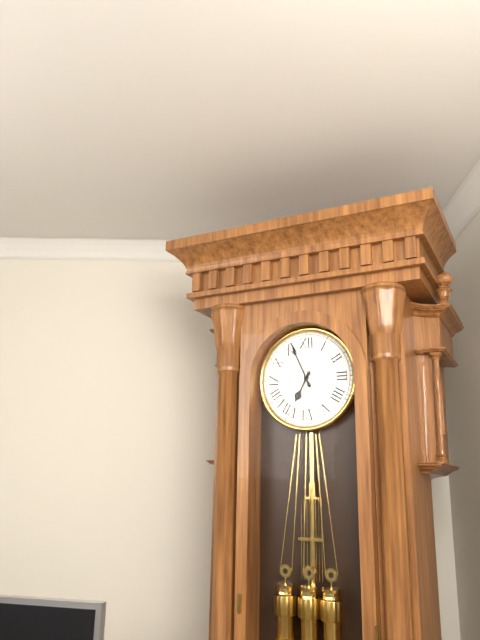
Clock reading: 6.56
